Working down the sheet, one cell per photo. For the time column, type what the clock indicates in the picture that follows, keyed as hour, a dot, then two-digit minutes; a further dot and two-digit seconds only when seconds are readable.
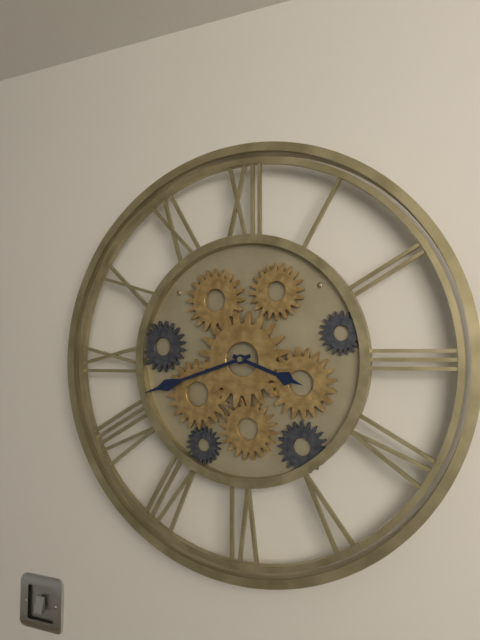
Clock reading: 3.42
